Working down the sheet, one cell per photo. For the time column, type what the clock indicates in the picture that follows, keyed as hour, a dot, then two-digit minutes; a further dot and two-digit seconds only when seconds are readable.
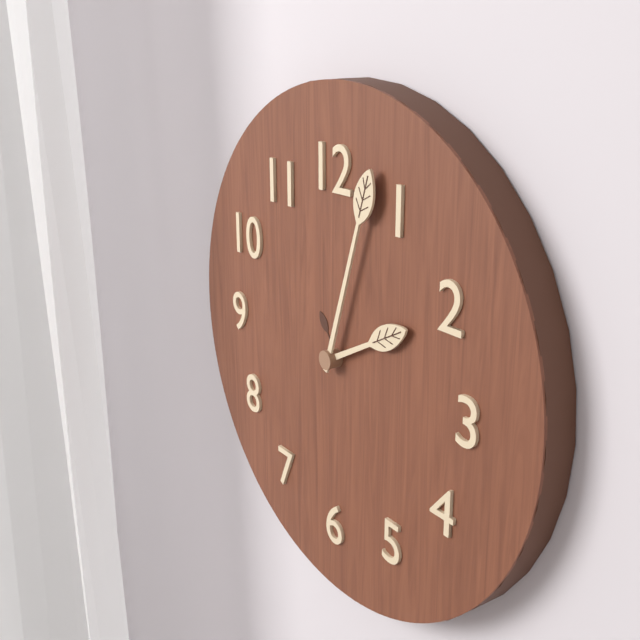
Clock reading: 2.03
